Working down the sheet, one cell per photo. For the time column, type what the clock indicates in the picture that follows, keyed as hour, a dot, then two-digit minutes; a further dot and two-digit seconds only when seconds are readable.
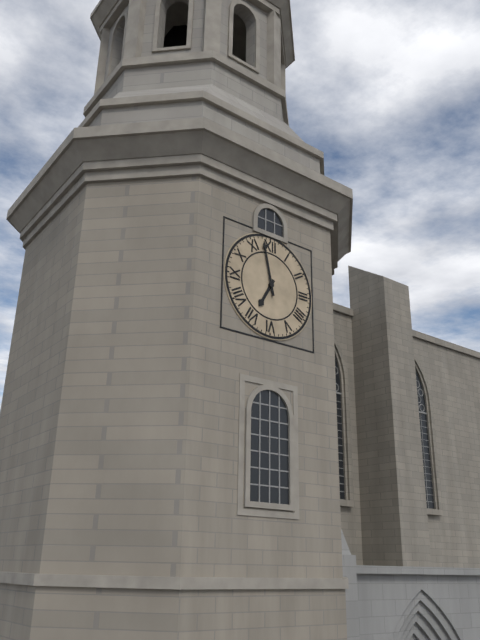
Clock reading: 6.58
